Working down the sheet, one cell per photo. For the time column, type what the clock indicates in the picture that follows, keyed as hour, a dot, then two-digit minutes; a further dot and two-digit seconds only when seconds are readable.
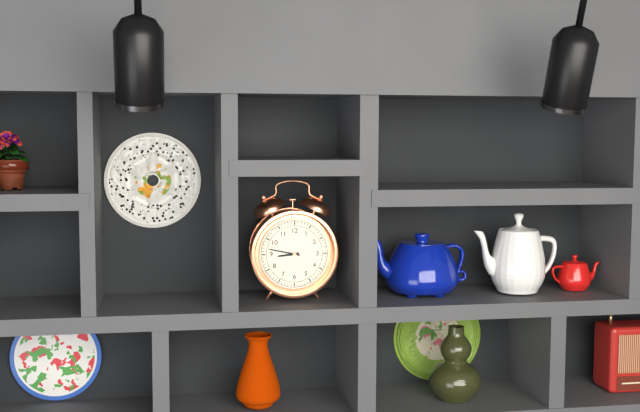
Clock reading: 8.47
